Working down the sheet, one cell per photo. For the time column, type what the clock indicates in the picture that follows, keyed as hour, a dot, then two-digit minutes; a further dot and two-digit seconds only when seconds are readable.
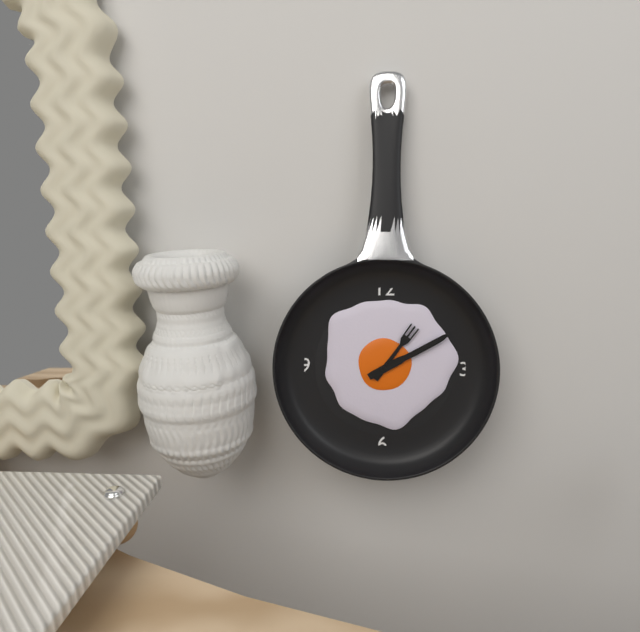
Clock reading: 1.10
